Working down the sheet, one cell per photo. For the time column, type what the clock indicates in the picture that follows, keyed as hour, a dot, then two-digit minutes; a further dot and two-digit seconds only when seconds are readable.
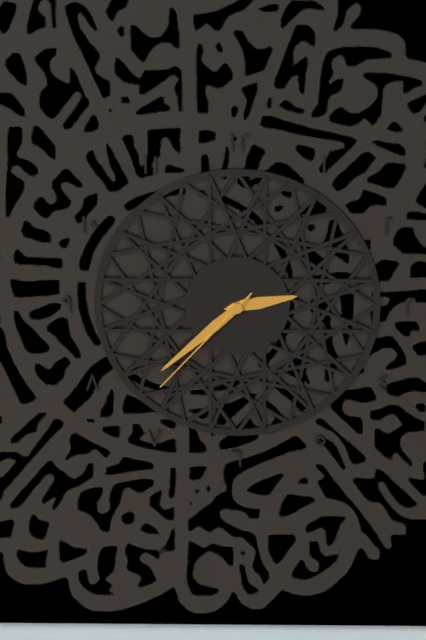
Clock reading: 2.38.37
